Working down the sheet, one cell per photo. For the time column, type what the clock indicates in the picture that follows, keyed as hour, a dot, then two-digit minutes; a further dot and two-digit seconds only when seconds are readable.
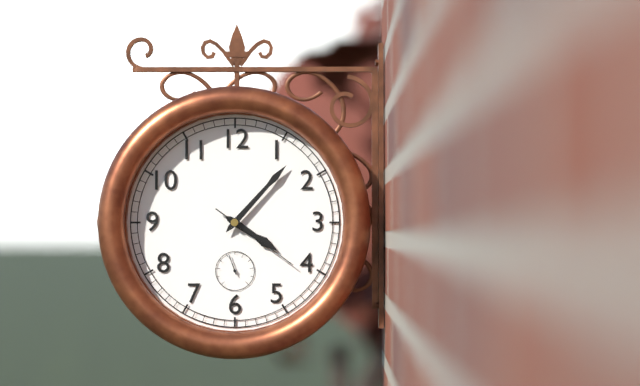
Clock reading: 4.07.21
